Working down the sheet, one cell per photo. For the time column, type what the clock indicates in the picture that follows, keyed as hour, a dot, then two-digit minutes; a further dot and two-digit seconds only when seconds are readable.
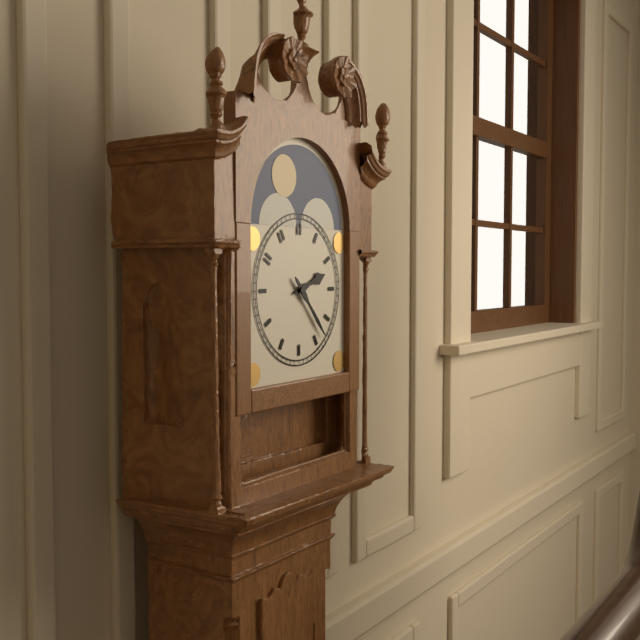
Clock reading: 2.23
